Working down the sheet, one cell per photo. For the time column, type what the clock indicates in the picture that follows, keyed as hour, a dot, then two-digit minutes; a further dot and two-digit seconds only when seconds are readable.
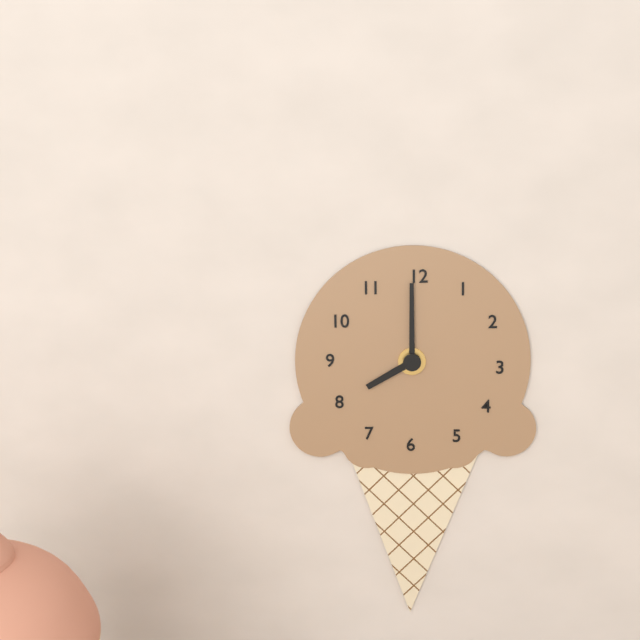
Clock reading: 8.00
